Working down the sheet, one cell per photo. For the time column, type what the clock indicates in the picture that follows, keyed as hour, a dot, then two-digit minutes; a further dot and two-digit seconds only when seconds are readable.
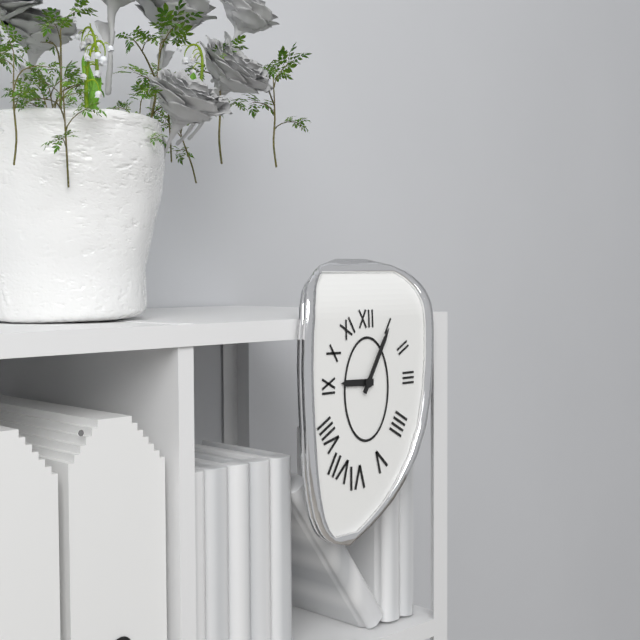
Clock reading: 9.05
